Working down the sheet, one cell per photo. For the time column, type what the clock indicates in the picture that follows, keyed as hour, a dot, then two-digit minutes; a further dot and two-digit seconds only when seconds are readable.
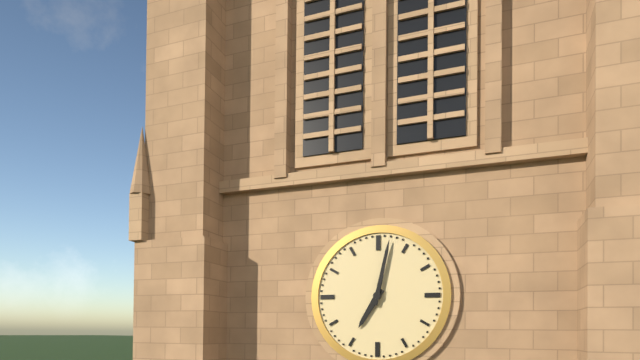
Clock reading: 7.02
